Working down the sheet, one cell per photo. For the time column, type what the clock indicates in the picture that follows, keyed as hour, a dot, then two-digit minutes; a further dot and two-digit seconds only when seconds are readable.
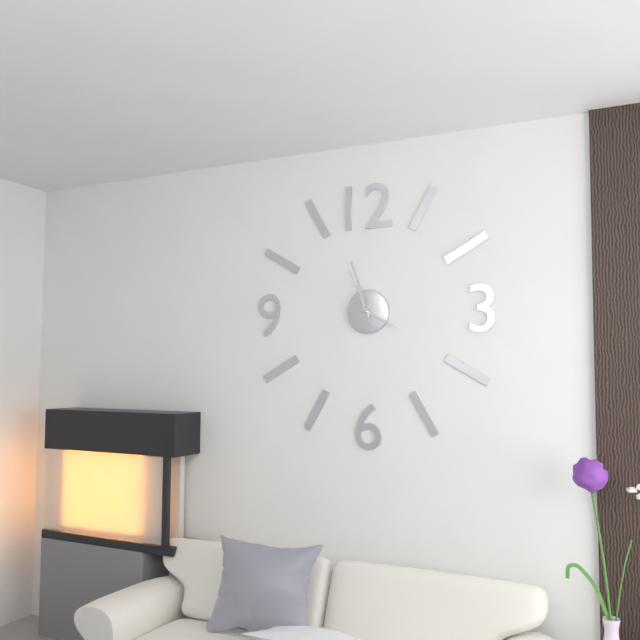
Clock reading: 3.57.56
